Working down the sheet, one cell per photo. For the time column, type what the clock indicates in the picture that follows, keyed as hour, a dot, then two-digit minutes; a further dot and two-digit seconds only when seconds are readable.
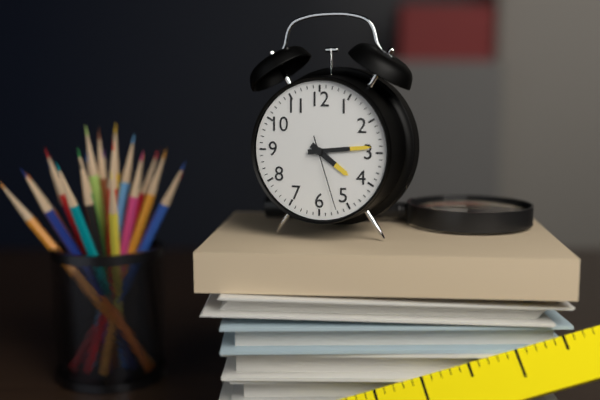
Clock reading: 4.14.27
